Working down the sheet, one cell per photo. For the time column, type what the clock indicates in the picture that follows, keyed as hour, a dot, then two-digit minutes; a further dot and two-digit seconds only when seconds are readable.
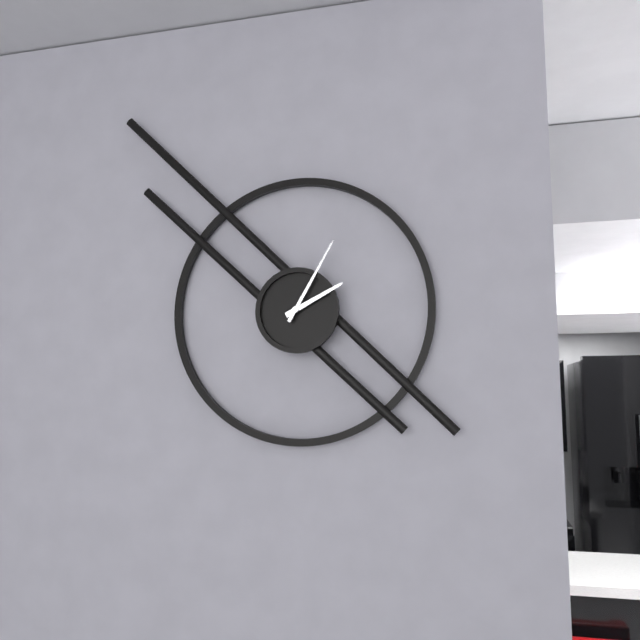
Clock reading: 2.05
